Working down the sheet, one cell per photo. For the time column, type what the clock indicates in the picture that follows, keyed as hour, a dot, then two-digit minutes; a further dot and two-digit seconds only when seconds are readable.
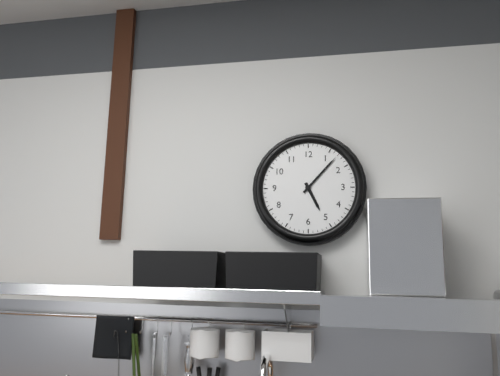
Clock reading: 5.07
